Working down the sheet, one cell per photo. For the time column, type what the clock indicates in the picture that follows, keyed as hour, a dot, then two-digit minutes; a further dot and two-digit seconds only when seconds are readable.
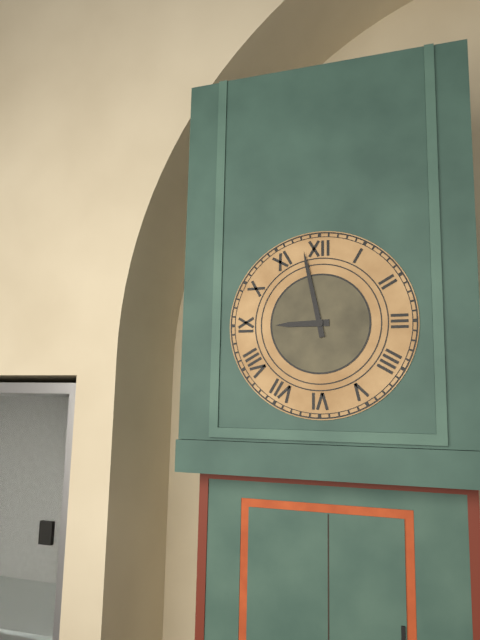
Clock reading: 8.58
